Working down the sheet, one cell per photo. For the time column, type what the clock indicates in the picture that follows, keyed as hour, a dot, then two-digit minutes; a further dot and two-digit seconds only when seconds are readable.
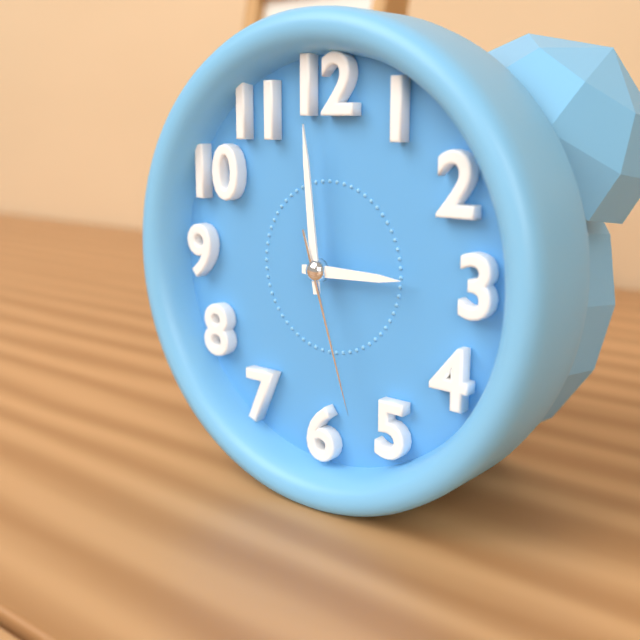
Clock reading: 2.59.27
